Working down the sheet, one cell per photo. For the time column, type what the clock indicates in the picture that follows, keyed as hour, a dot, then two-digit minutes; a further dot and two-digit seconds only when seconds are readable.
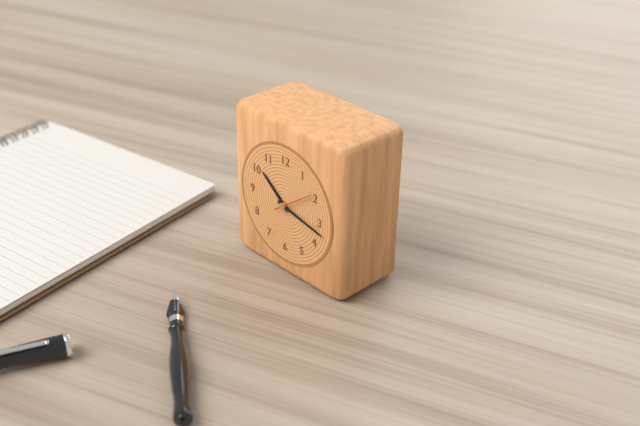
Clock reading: 10.17
